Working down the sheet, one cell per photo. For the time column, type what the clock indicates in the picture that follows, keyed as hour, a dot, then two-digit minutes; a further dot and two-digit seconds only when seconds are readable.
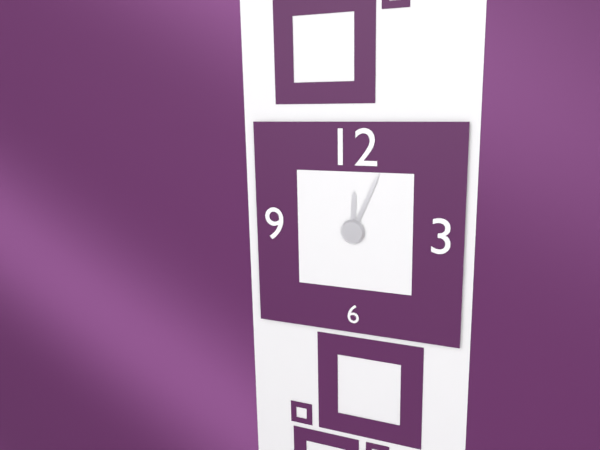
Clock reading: 12.04
